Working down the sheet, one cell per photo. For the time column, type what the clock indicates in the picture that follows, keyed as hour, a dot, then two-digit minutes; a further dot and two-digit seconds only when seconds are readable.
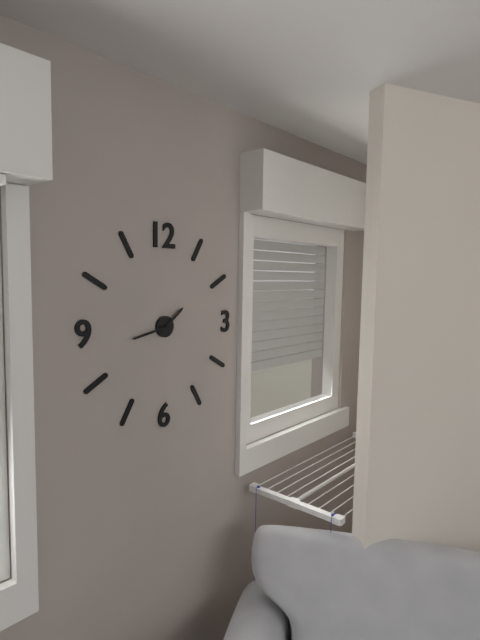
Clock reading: 1.43
